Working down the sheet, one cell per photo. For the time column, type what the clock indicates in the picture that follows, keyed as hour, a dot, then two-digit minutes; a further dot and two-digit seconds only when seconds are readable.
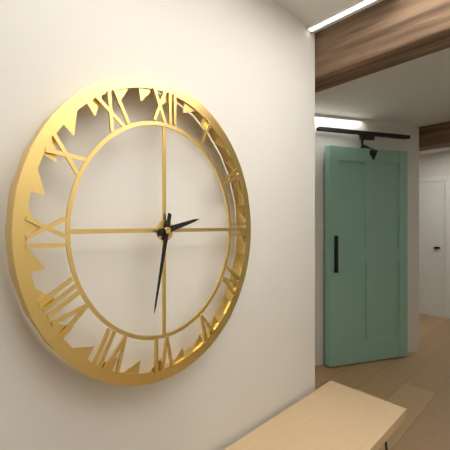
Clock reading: 2.32
